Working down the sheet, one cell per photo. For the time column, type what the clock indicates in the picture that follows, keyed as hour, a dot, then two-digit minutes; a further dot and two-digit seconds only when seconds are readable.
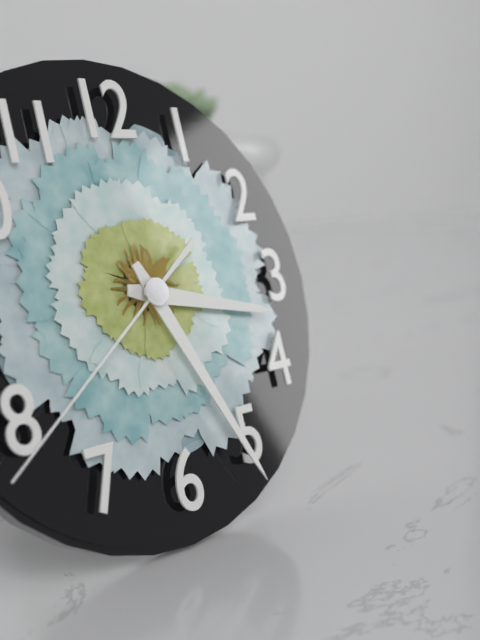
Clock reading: 3.26.39
